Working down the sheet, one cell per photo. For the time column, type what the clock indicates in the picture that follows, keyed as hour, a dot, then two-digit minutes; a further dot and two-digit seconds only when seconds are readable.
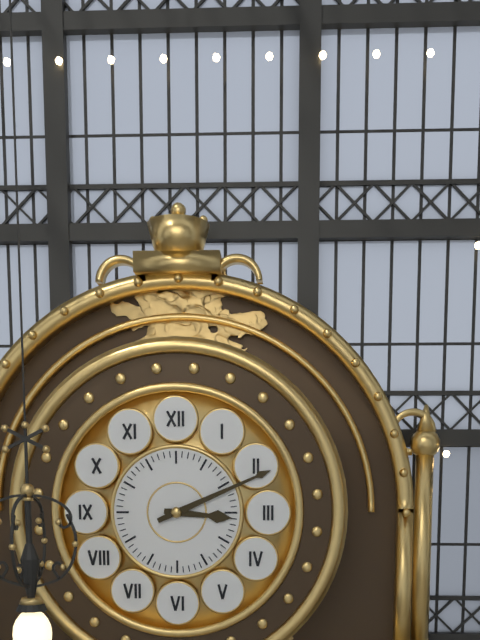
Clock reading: 3.11
